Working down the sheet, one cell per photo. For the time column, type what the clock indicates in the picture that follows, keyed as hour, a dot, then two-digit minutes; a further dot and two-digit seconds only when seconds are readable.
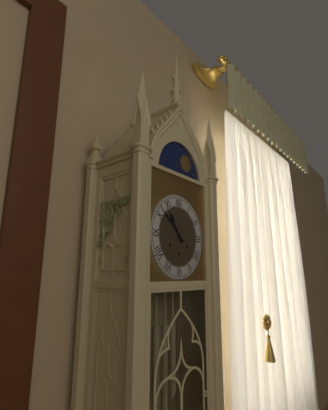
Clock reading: 10.52
